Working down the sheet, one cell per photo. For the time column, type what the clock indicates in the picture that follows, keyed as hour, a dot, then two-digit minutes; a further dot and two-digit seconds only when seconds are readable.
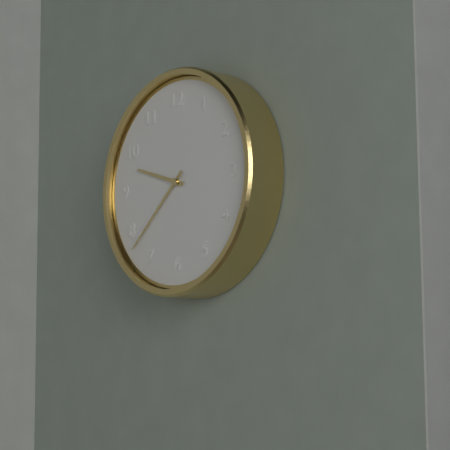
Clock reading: 9.38
